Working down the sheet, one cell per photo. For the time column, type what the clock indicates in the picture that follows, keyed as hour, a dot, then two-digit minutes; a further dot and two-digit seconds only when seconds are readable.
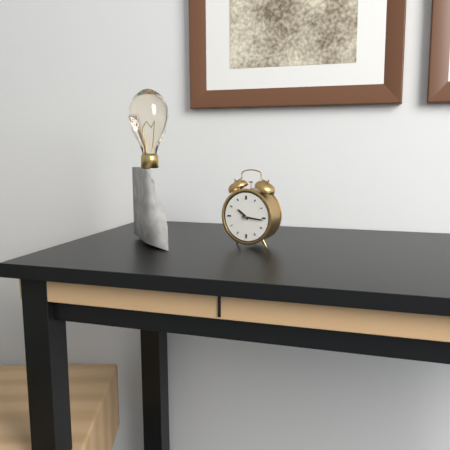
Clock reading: 10.16
